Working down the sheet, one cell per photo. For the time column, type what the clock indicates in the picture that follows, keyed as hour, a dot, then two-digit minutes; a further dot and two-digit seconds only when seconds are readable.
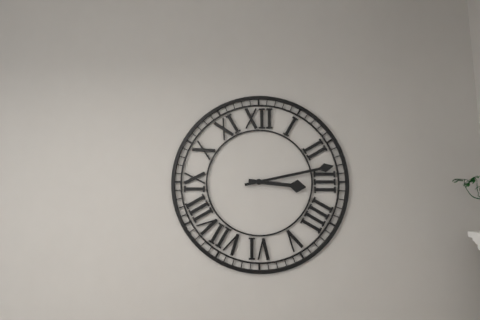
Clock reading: 3.13
